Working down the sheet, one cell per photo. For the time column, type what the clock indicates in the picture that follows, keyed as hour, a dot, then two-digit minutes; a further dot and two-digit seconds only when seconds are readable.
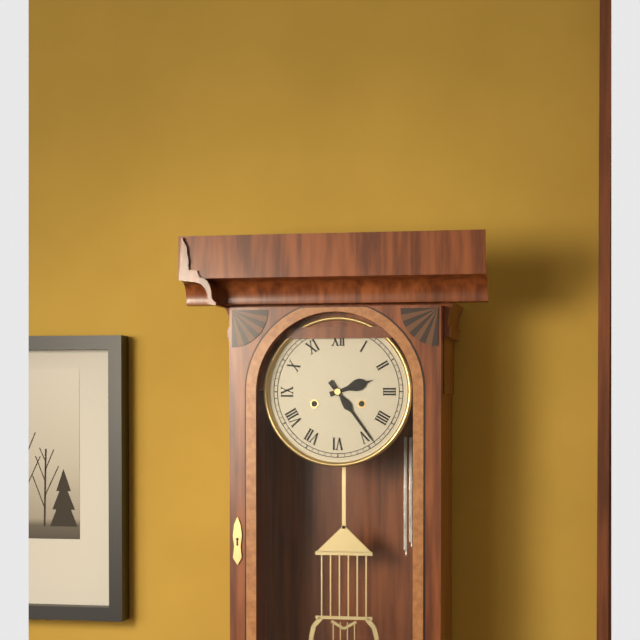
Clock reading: 2.24
